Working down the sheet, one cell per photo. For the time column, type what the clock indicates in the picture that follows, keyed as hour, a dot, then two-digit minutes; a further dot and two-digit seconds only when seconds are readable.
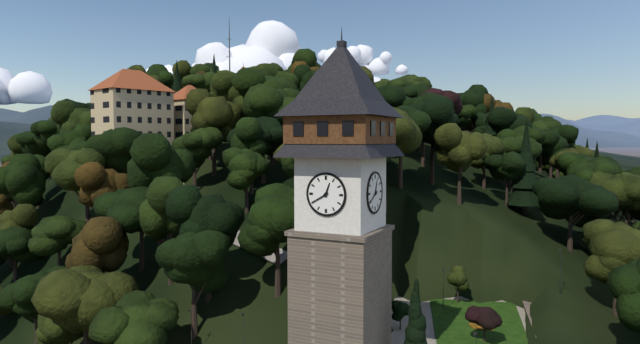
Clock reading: 12.40
